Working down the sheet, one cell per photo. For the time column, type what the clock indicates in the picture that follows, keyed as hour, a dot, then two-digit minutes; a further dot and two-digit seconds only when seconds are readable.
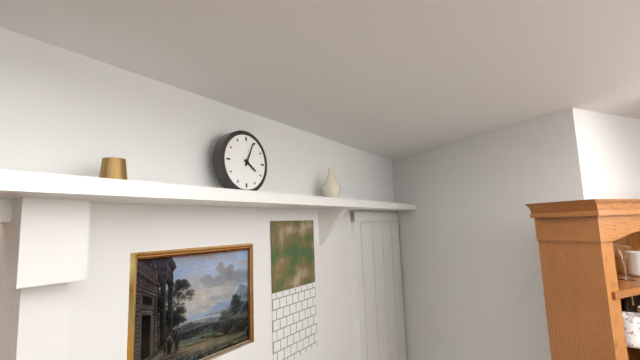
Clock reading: 4.04
